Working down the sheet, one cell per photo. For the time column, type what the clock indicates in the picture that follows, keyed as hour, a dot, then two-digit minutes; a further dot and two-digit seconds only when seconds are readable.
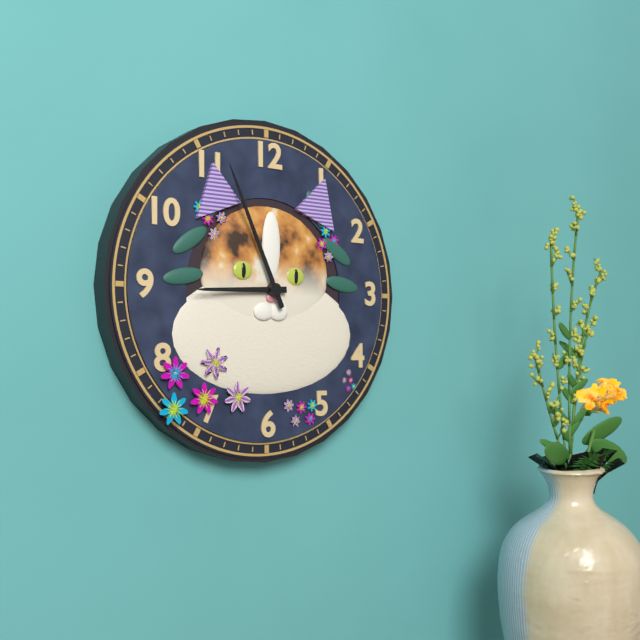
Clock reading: 8.56
